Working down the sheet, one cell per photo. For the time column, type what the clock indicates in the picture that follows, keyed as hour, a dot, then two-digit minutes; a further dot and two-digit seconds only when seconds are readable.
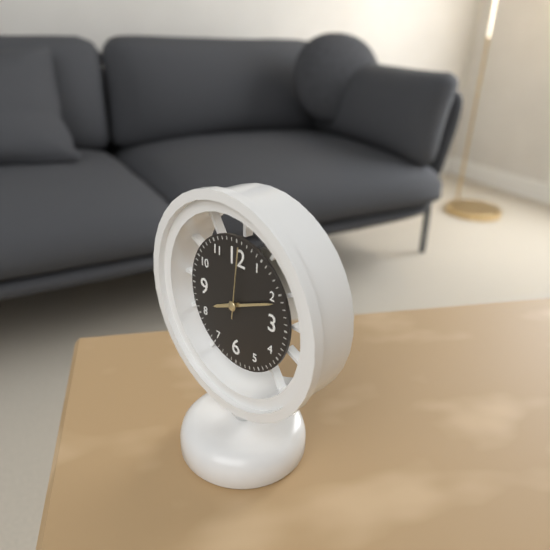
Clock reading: 8.11.01
